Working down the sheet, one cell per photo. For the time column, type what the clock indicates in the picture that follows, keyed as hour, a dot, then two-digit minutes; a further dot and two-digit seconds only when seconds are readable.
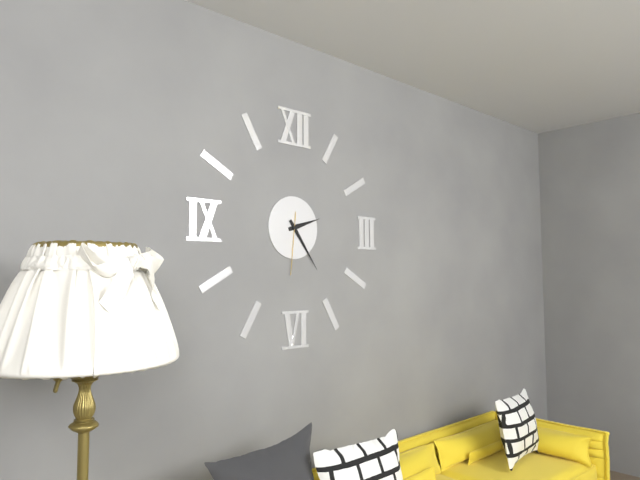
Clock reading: 2.24.31
